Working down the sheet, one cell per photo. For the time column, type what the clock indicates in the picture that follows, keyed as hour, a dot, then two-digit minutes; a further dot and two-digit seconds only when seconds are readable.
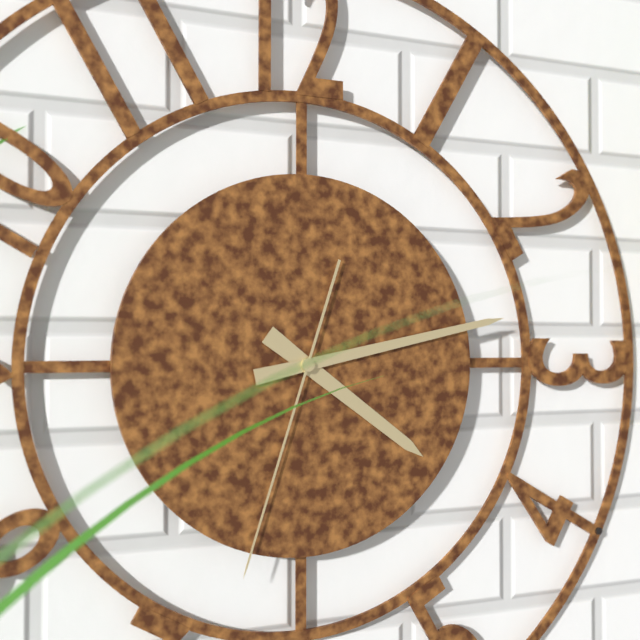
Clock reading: 4.13.33
